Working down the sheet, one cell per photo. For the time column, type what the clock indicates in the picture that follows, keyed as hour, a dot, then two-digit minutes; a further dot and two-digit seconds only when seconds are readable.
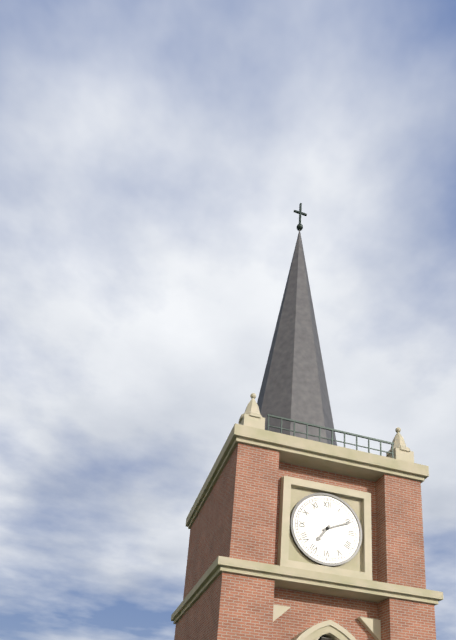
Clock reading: 7.11
